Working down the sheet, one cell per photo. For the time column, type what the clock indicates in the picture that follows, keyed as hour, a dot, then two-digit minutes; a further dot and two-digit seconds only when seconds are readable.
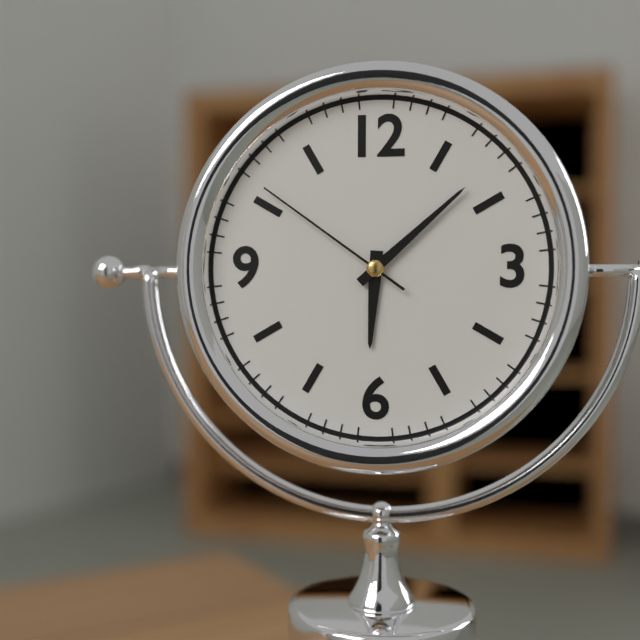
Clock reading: 6.08.51
